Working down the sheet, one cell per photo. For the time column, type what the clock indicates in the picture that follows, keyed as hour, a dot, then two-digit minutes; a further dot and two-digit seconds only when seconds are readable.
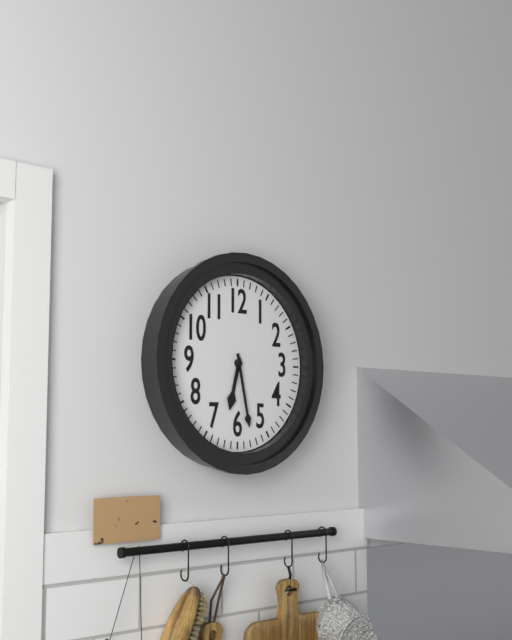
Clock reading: 6.28
